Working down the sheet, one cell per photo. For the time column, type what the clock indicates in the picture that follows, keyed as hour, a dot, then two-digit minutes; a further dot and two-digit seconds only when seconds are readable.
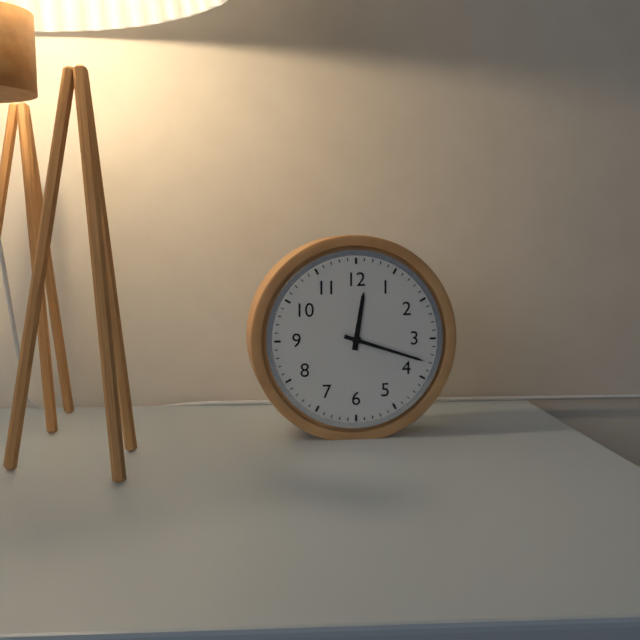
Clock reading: 12.18
